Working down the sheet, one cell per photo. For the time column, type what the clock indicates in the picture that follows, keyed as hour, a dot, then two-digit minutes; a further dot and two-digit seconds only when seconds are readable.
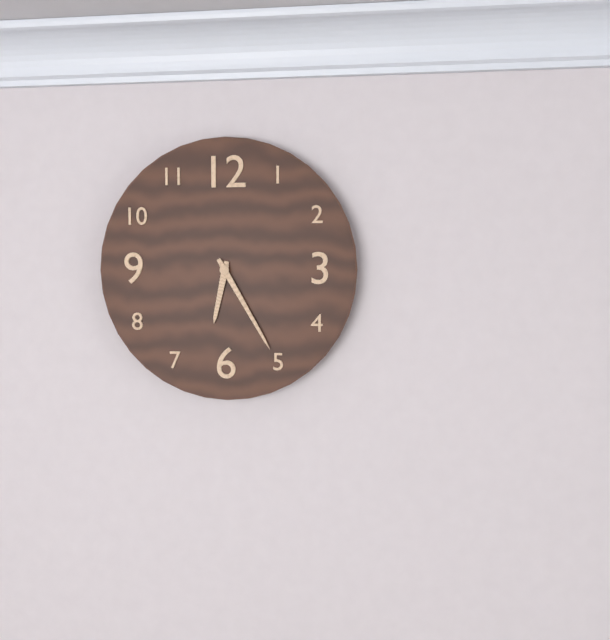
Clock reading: 6.25
